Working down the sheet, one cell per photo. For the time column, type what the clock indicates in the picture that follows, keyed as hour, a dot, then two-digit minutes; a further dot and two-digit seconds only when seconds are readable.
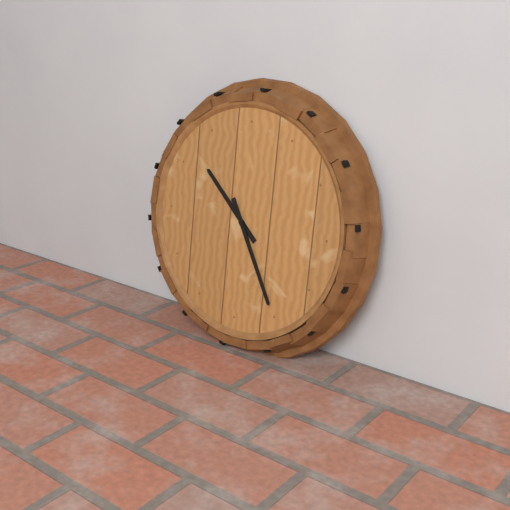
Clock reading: 10.25
